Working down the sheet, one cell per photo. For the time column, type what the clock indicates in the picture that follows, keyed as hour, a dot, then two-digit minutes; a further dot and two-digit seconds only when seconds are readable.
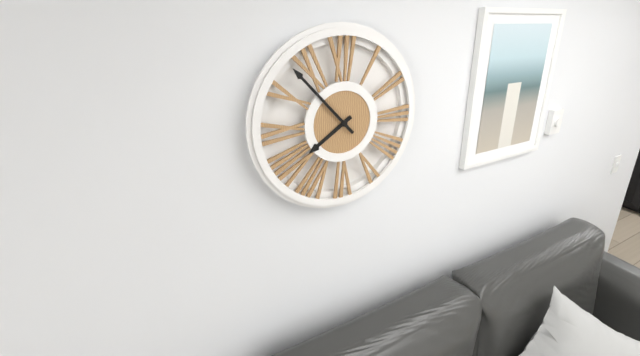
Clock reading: 7.53
